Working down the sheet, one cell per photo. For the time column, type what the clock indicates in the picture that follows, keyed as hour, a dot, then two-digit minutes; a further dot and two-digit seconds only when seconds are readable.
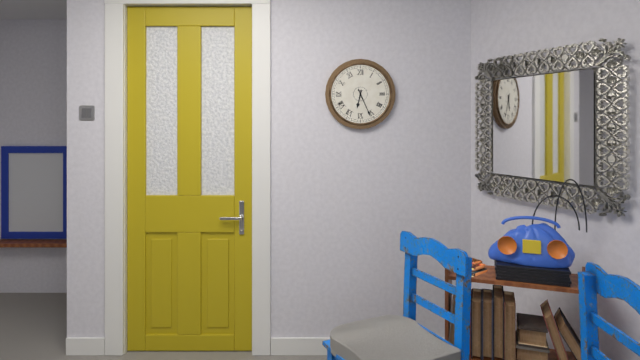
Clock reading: 6.26
